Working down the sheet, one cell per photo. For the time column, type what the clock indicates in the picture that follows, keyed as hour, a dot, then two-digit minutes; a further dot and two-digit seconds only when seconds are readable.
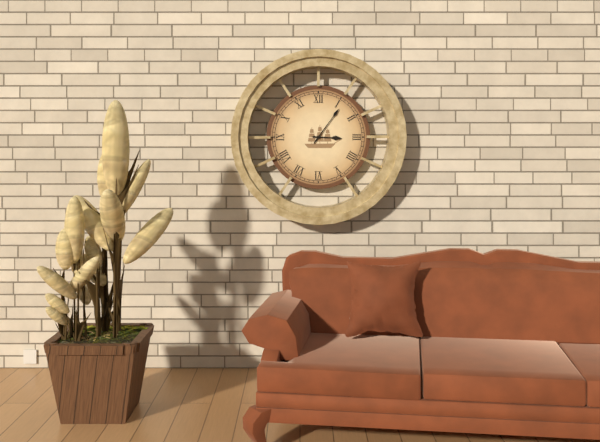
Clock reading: 3.06
